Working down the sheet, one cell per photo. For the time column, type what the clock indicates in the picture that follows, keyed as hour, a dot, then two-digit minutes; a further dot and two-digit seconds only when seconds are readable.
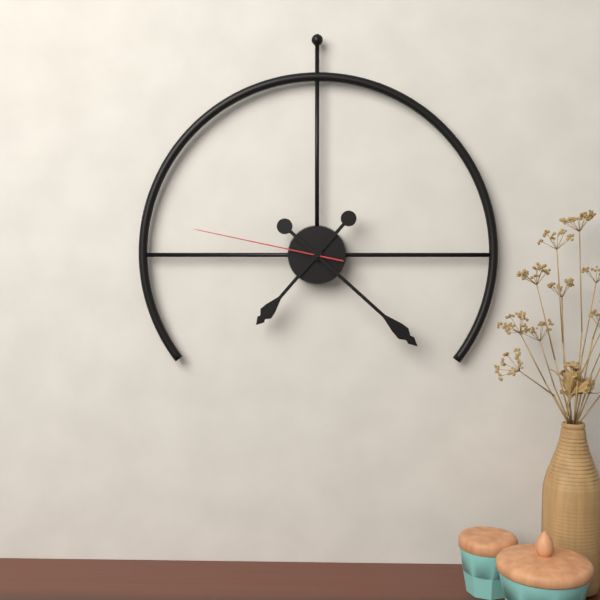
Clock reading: 7.22.47
